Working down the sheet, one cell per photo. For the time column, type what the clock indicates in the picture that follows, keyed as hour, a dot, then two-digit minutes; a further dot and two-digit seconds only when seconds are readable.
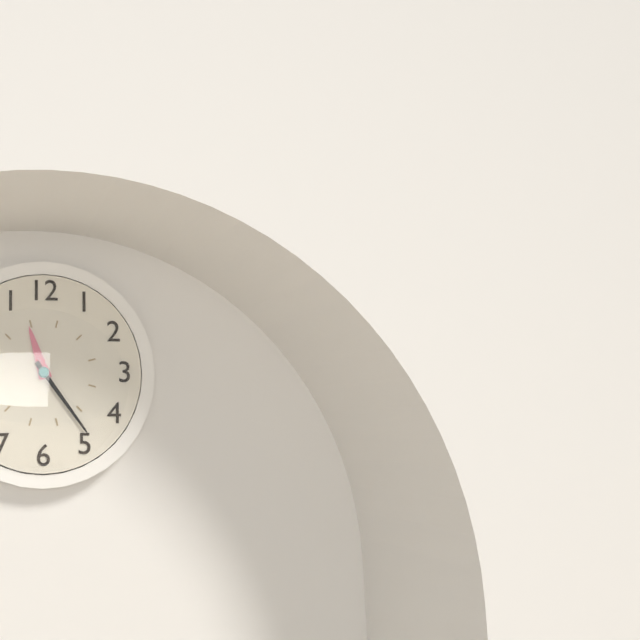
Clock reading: 11.24
